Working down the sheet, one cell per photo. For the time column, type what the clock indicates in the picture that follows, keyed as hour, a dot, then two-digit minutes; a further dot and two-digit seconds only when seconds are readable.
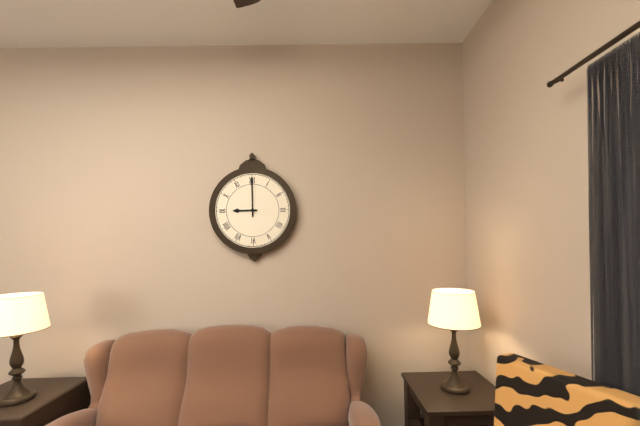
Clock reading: 9.00
